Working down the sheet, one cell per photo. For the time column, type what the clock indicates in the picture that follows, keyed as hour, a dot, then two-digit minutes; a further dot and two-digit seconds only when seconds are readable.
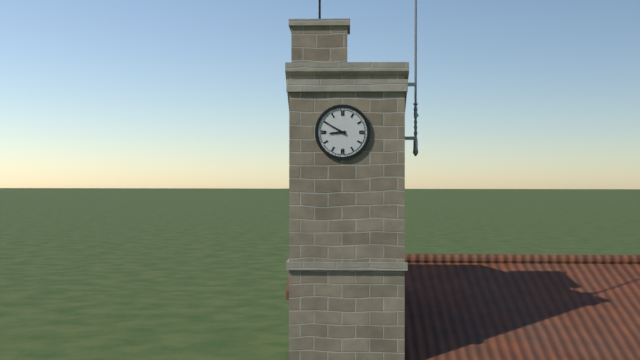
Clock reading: 8.50
